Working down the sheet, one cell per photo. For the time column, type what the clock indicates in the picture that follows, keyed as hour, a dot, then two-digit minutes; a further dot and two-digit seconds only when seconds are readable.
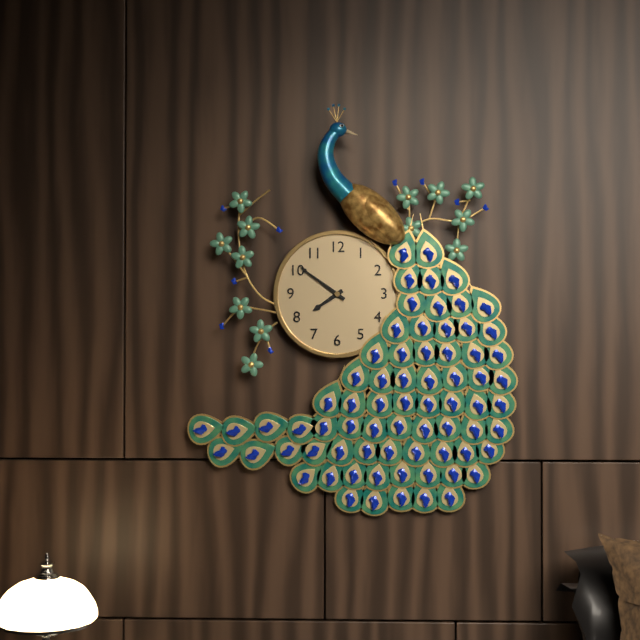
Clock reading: 7.51
